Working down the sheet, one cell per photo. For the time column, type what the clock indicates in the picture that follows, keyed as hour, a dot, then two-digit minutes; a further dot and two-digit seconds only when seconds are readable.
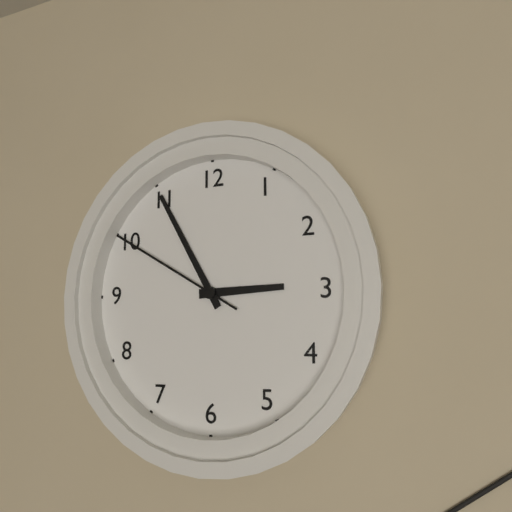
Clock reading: 2.55.50
